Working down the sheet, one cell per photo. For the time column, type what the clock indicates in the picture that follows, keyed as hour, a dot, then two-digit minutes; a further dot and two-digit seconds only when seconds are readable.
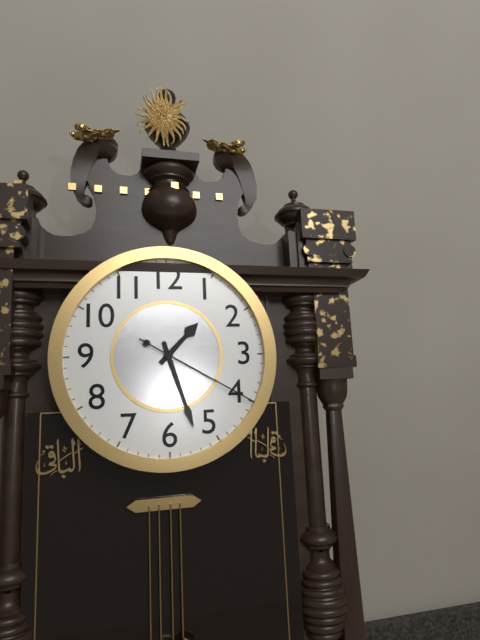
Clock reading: 1.27.20
